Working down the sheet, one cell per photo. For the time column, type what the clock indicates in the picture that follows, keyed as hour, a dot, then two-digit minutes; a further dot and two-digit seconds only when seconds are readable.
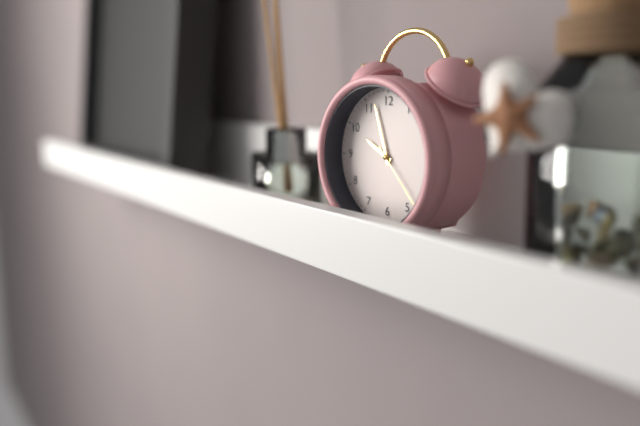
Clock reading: 9.57.23
